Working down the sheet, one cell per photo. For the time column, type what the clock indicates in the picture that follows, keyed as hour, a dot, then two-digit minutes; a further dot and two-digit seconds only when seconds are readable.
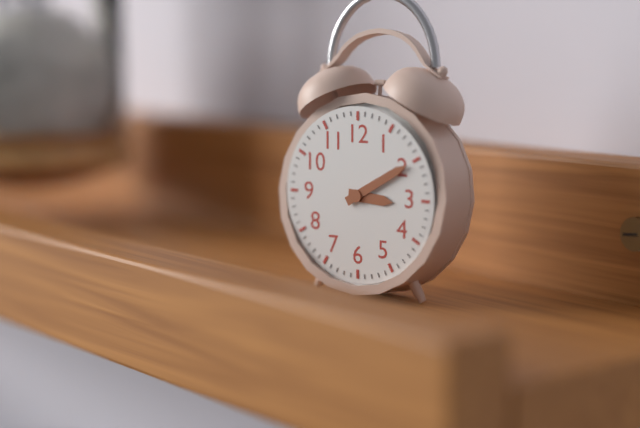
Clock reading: 3.10
